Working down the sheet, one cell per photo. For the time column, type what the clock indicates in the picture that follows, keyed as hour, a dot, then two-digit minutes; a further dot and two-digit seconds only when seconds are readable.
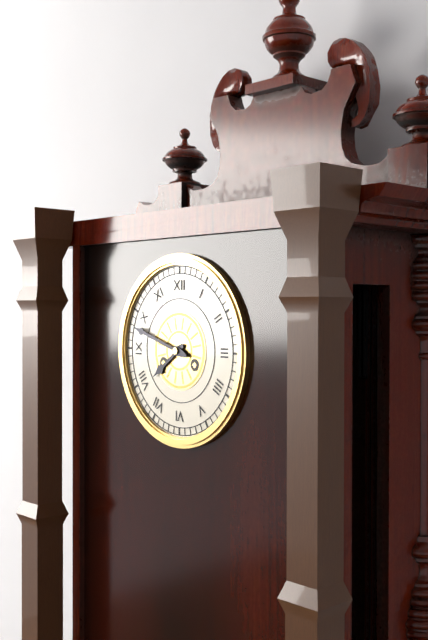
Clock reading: 7.48
